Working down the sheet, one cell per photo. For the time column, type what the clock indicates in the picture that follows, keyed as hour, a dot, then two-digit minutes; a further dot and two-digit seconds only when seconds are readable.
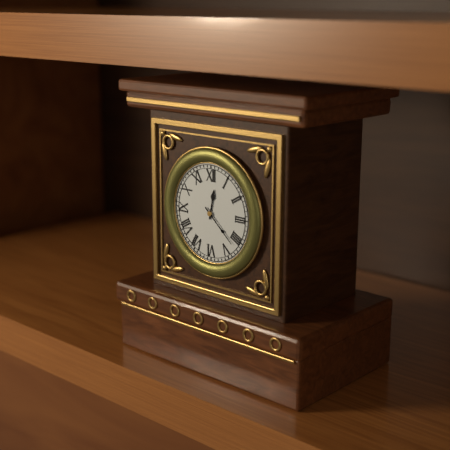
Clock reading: 12.22
